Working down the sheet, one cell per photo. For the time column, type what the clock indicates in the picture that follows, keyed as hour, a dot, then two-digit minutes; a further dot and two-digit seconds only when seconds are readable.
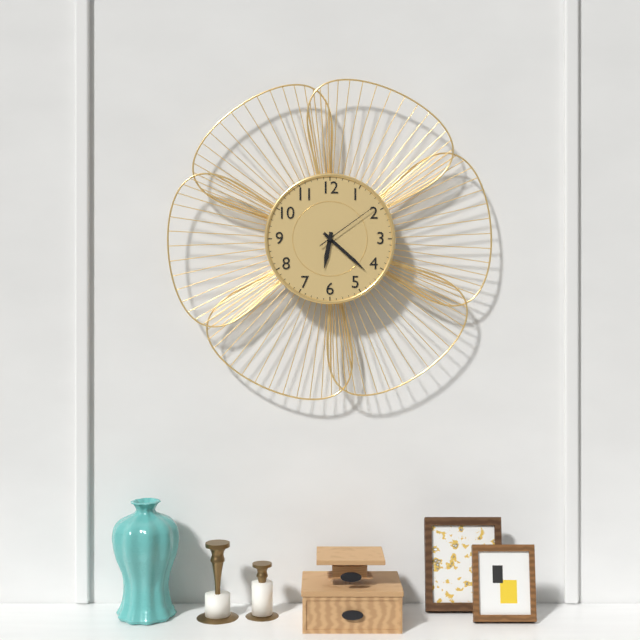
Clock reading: 6.22.09
